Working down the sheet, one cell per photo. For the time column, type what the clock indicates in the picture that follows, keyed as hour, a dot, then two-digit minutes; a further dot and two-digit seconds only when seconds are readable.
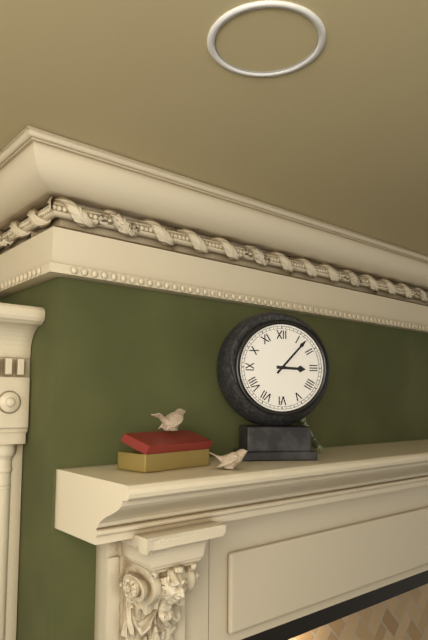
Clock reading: 3.07
